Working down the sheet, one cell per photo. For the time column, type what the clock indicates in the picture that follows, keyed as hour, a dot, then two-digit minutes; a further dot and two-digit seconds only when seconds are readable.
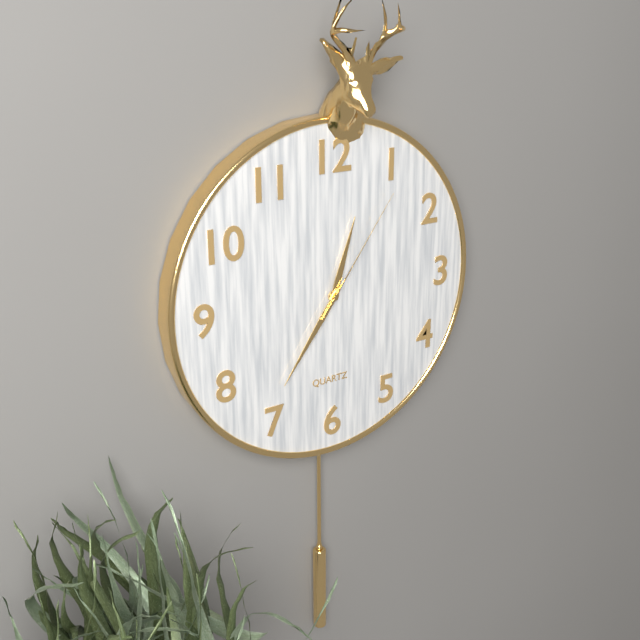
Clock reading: 12.36.06
